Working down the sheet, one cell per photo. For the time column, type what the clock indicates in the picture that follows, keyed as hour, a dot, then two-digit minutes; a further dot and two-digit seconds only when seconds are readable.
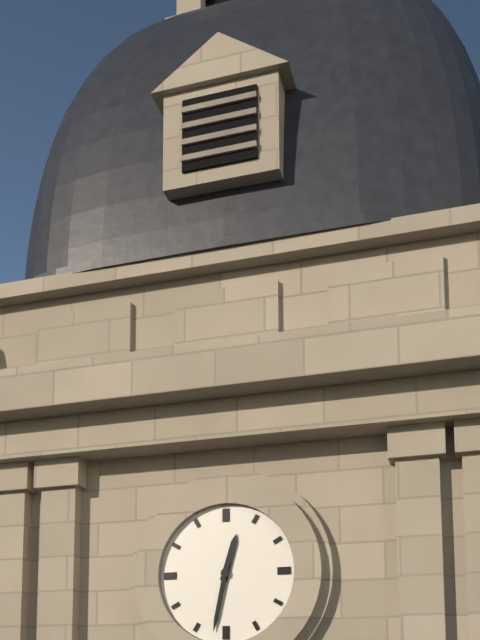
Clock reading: 12.32
